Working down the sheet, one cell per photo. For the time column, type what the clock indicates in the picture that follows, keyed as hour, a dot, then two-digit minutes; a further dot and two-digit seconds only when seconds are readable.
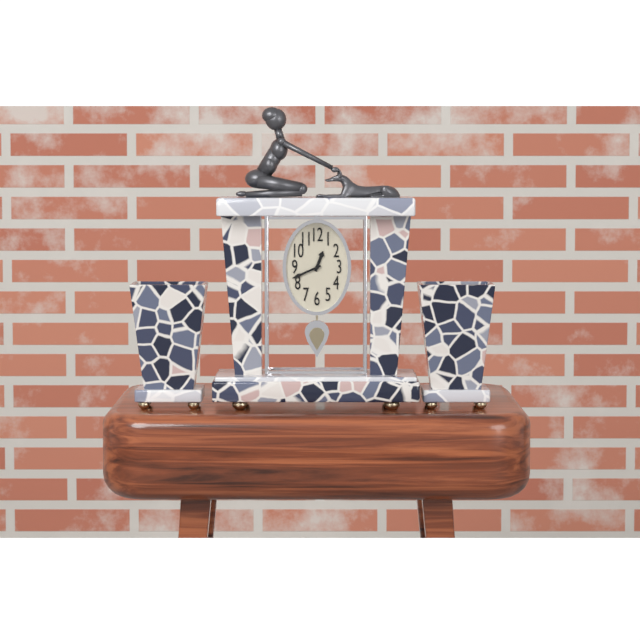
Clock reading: 12.41
